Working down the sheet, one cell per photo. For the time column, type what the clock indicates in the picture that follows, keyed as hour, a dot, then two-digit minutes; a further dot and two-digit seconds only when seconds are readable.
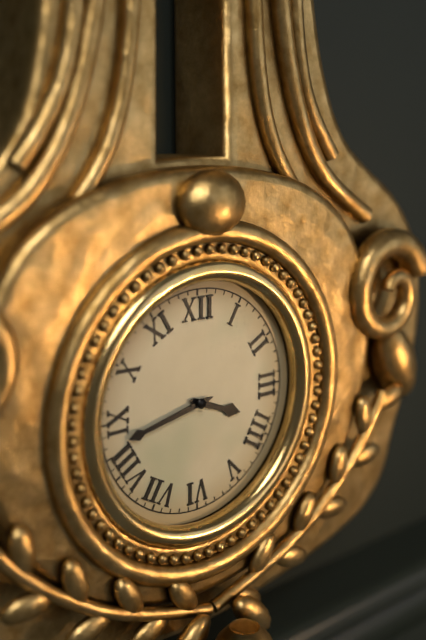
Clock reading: 3.43
